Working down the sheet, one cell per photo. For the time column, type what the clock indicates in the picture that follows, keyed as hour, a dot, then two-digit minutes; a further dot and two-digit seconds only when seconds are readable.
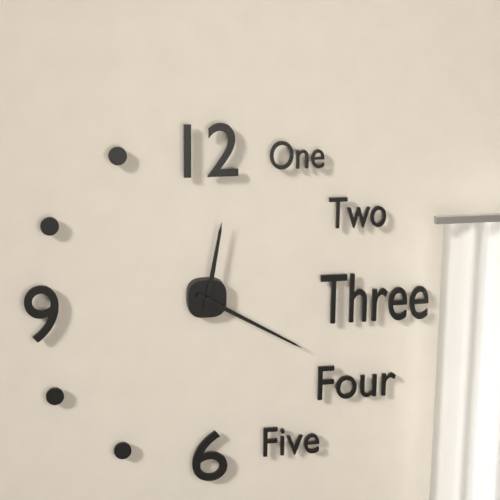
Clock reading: 12.20
